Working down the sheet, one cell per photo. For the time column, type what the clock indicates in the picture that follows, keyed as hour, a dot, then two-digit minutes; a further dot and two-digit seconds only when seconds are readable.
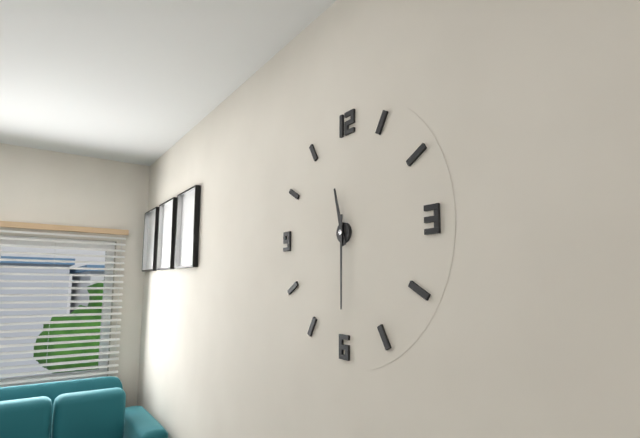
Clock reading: 11.30
